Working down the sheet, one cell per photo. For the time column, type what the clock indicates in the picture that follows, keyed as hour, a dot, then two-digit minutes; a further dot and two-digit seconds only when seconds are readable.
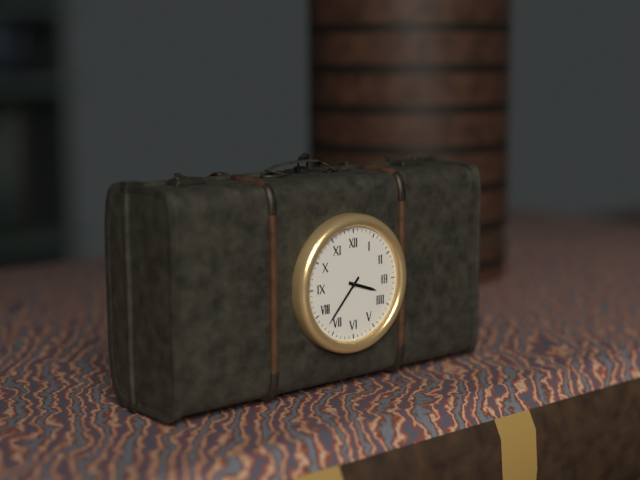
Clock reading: 3.37
